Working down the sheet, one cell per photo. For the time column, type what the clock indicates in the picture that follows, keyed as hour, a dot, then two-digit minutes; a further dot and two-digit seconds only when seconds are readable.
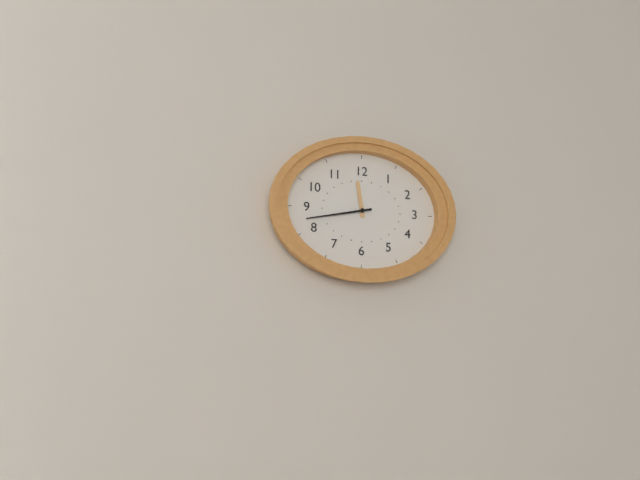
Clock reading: 11.43
